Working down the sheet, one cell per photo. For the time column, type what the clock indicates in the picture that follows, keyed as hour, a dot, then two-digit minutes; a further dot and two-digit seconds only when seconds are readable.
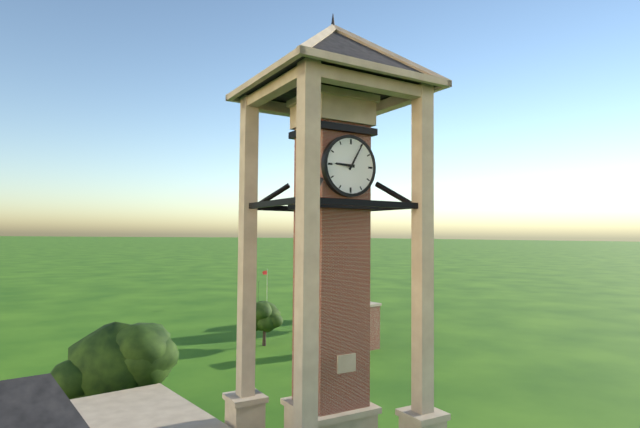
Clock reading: 9.05
